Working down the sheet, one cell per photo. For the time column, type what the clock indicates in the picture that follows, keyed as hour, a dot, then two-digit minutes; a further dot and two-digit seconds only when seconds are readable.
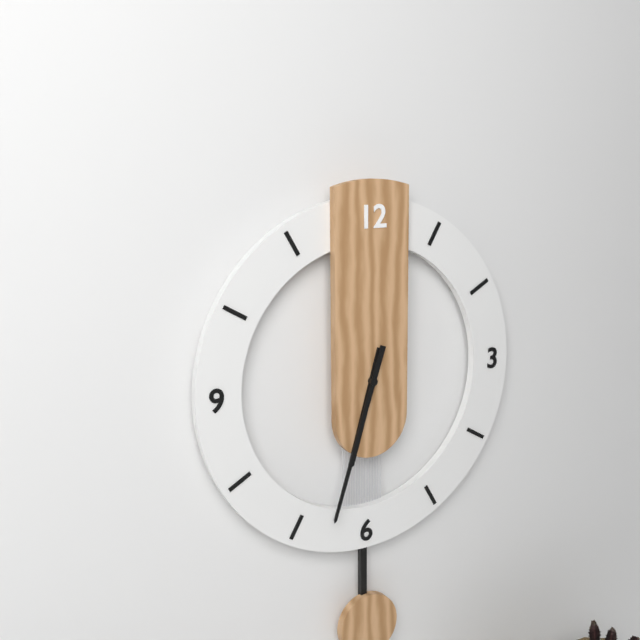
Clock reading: 6.33
